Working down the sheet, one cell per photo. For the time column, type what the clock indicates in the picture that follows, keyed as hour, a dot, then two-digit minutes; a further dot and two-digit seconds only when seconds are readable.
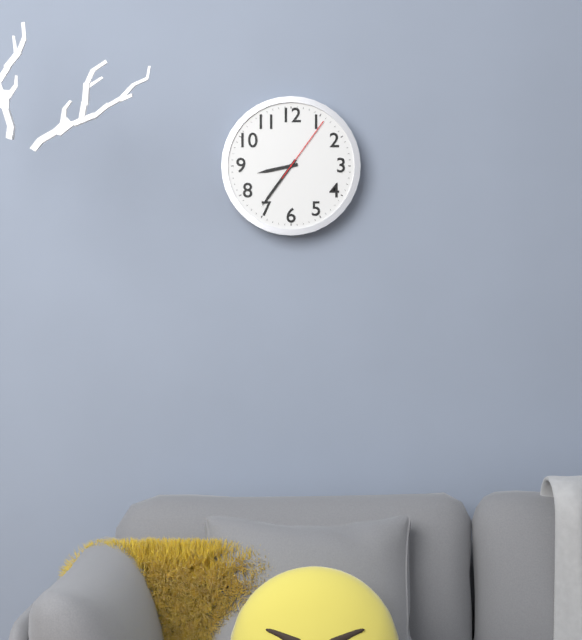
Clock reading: 8.36.06
